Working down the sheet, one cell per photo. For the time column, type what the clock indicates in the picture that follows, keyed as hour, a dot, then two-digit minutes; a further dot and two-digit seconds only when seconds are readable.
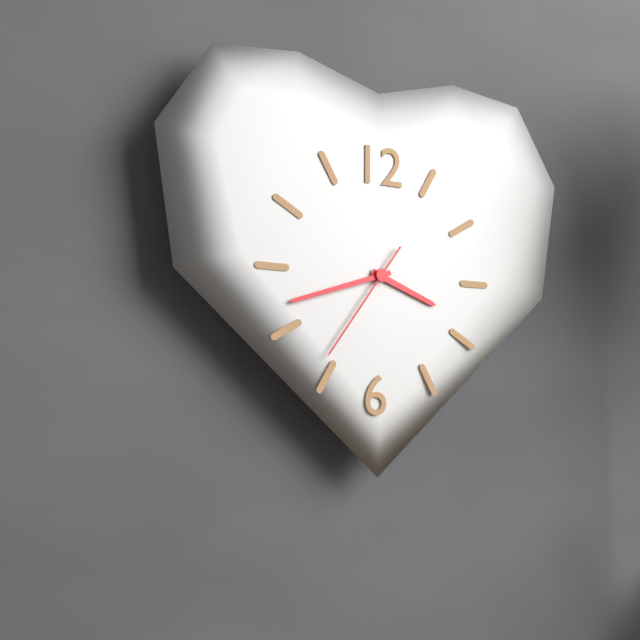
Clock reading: 3.42.36
